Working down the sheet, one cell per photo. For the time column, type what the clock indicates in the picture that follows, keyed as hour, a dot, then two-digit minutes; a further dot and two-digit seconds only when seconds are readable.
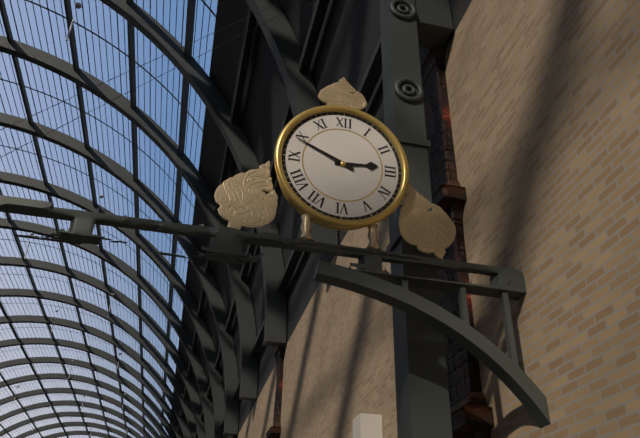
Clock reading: 2.49
